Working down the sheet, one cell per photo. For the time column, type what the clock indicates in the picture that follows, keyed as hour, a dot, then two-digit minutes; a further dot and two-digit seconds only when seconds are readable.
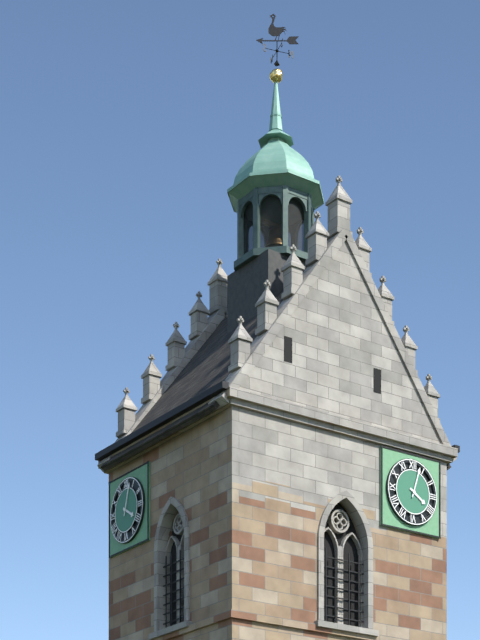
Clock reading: 4.03
